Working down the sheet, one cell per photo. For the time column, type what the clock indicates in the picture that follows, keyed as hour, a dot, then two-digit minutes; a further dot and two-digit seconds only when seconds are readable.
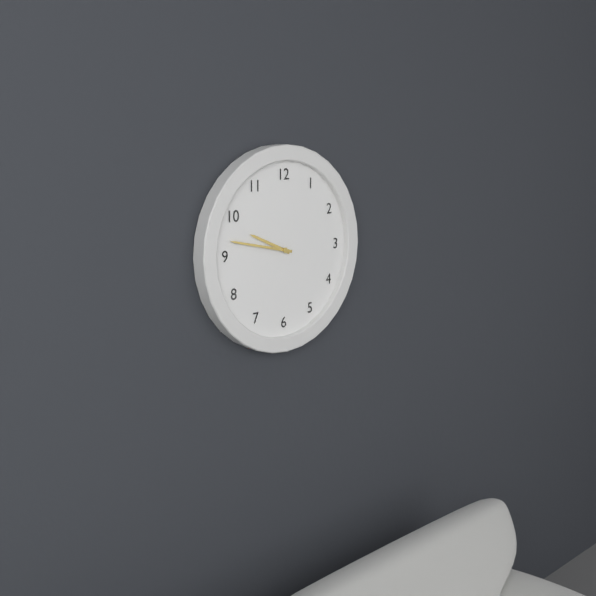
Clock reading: 9.47
